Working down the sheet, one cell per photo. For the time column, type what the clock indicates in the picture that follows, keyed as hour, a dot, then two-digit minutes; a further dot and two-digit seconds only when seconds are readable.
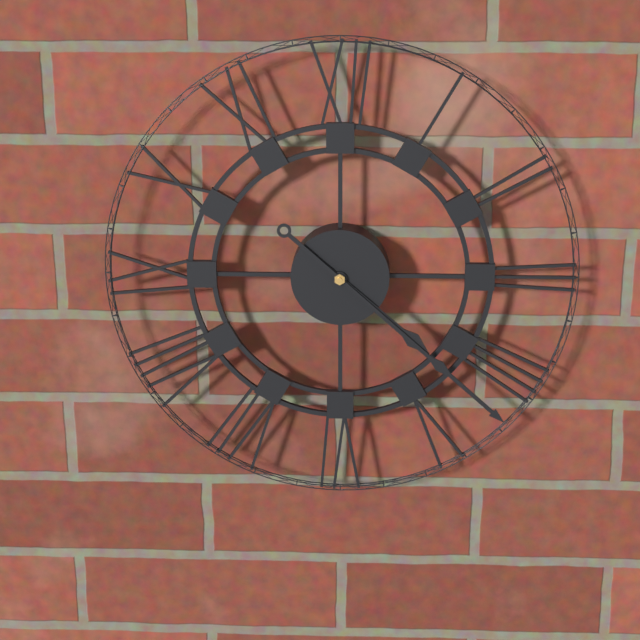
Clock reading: 4.22
